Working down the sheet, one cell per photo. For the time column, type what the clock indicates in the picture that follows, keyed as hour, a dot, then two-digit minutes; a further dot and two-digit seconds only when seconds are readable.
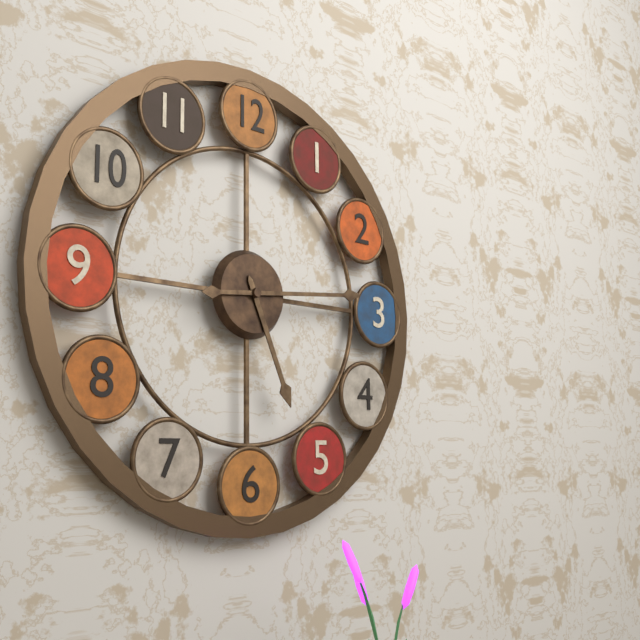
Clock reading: 5.14
